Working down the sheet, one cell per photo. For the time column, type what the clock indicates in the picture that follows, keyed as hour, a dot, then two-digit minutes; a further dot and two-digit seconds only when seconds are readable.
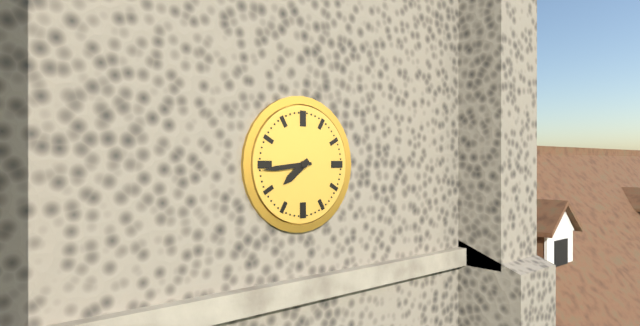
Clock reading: 7.44
